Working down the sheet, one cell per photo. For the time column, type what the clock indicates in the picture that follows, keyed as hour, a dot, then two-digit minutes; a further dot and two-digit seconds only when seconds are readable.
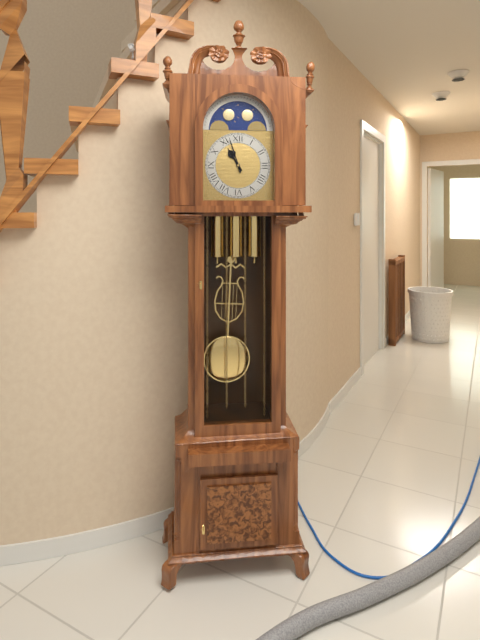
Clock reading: 10.57
